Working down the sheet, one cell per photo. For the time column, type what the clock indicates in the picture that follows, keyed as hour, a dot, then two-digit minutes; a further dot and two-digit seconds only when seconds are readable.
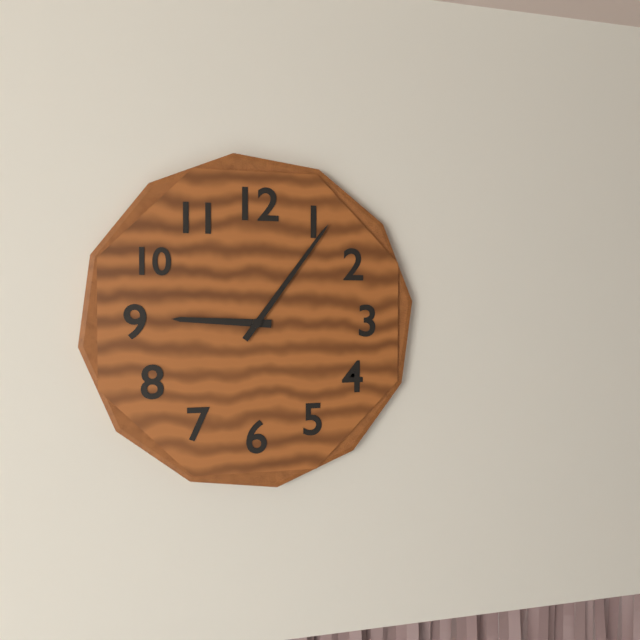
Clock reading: 9.06
